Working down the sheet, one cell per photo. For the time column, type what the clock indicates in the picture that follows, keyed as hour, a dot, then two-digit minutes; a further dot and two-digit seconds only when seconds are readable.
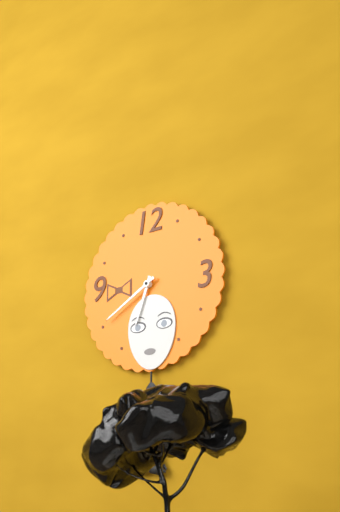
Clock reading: 6.40
